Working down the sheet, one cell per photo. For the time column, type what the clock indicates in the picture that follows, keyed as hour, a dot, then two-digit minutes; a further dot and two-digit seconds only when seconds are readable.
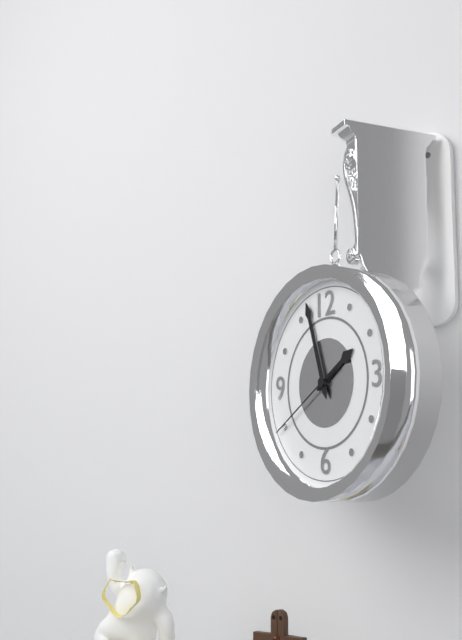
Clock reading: 1.57.40
